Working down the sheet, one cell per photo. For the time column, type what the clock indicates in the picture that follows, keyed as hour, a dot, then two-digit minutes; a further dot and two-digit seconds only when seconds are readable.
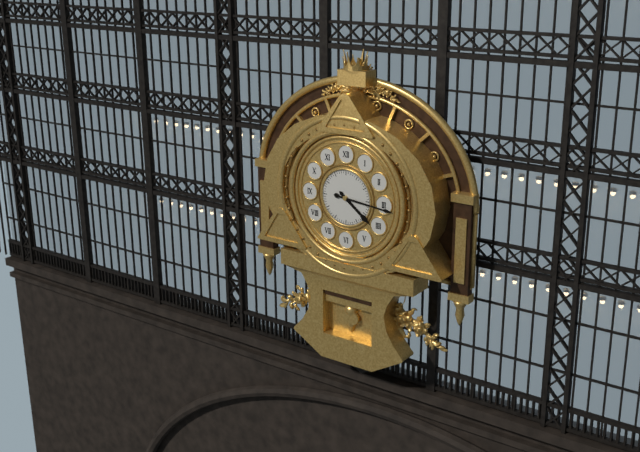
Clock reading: 4.16
